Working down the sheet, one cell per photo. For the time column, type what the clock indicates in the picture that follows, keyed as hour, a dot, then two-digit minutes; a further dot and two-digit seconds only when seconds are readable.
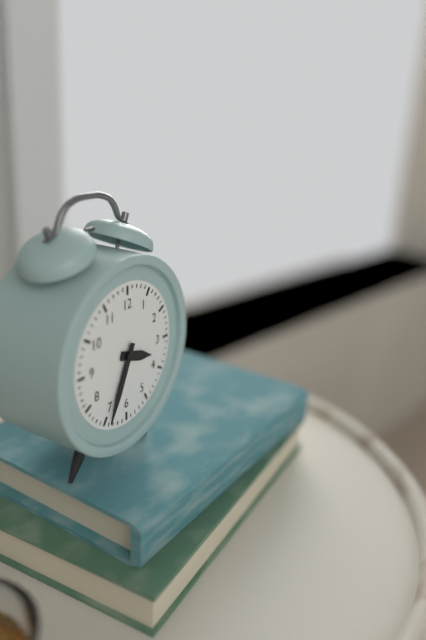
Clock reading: 3.34
